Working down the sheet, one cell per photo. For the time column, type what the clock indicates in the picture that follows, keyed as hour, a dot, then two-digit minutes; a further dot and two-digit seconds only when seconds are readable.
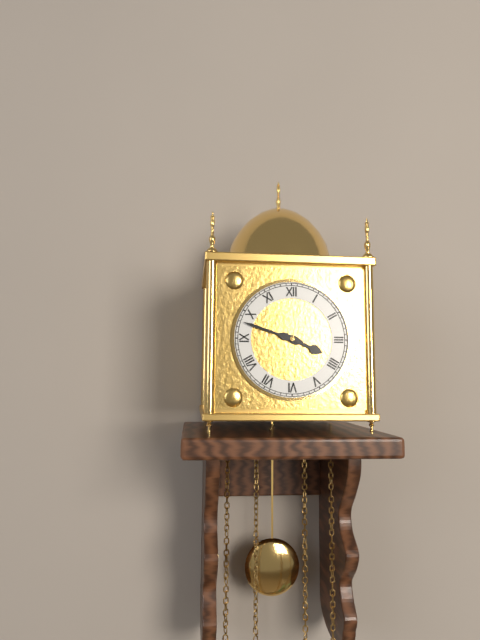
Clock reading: 3.48
